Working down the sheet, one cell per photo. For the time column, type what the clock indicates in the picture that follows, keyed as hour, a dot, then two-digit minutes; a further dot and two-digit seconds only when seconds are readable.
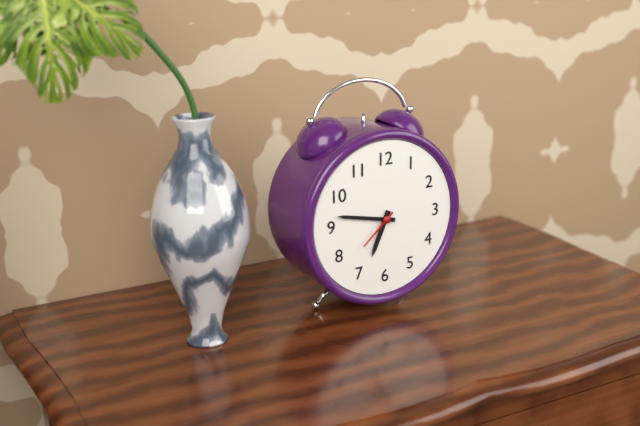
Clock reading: 6.47
